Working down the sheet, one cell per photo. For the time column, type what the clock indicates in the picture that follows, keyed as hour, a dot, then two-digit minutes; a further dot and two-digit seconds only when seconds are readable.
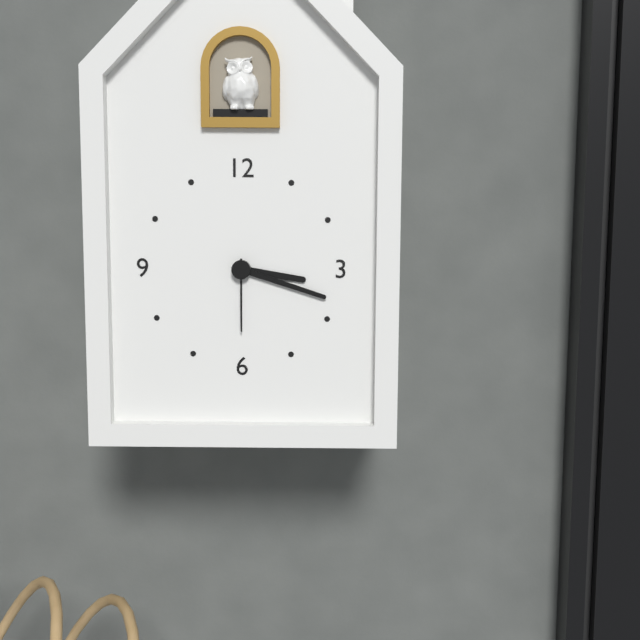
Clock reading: 3.18.30
